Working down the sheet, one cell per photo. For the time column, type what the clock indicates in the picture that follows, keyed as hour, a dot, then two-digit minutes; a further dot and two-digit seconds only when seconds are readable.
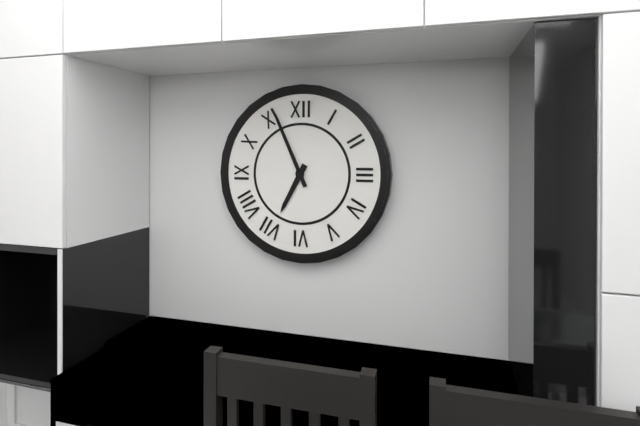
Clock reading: 6.56
